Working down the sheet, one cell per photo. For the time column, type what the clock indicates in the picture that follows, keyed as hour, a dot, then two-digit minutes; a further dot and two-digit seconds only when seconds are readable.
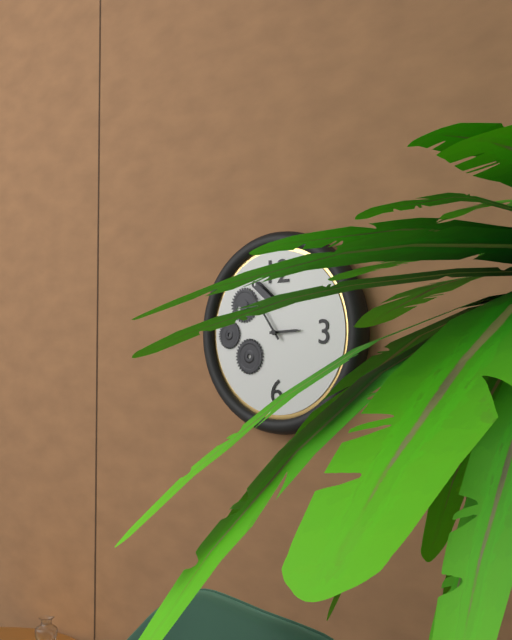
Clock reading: 2.54
